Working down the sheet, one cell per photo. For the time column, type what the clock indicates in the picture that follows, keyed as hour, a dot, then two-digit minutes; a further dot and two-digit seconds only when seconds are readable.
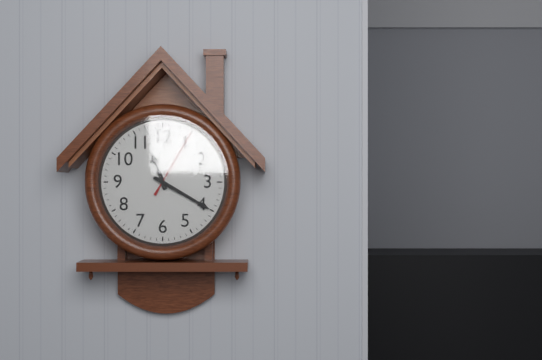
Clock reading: 11.20.05
